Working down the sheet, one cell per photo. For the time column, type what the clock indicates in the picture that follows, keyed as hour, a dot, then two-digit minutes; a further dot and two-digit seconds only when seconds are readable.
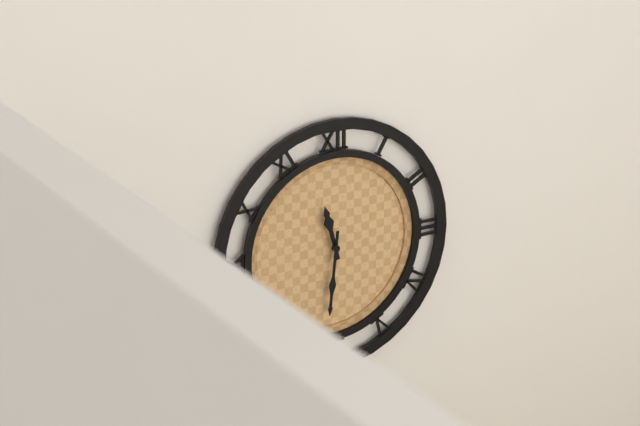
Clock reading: 11.31
